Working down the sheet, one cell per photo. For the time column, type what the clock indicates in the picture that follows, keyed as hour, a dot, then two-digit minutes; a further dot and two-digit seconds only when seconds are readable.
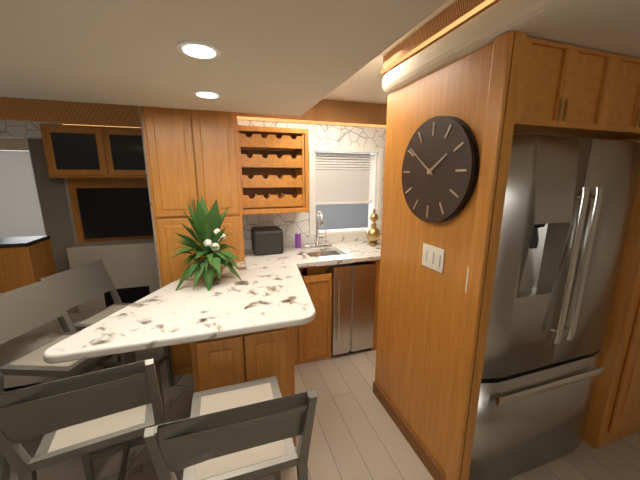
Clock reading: 1.51
